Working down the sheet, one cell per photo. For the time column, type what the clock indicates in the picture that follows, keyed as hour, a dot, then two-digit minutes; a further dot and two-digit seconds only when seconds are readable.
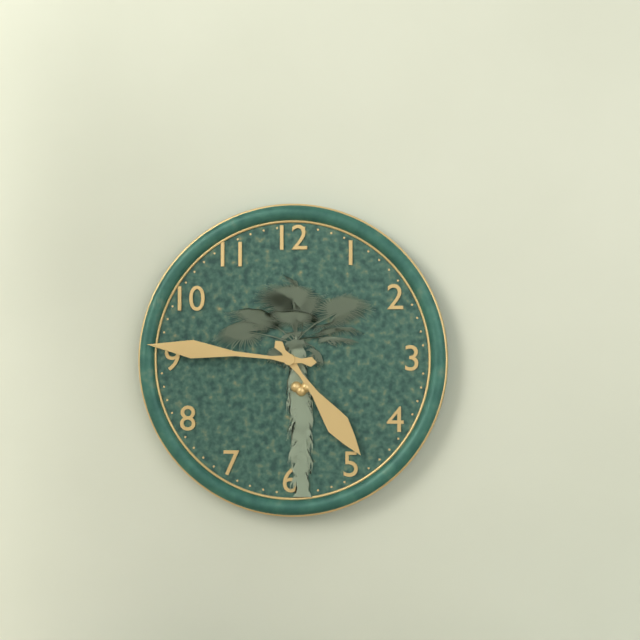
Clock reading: 4.46
